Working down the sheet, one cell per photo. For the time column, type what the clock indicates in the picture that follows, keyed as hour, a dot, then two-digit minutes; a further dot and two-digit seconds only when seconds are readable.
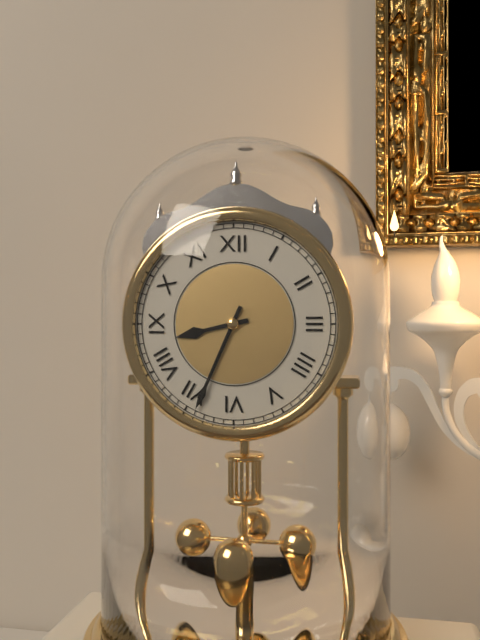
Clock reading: 8.34
